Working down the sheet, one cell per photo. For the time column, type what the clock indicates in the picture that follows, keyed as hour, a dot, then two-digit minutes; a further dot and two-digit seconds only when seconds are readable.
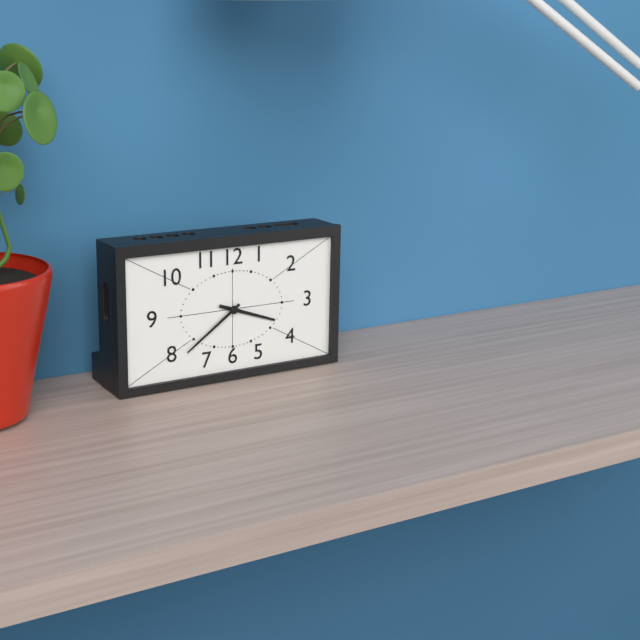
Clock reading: 3.39
